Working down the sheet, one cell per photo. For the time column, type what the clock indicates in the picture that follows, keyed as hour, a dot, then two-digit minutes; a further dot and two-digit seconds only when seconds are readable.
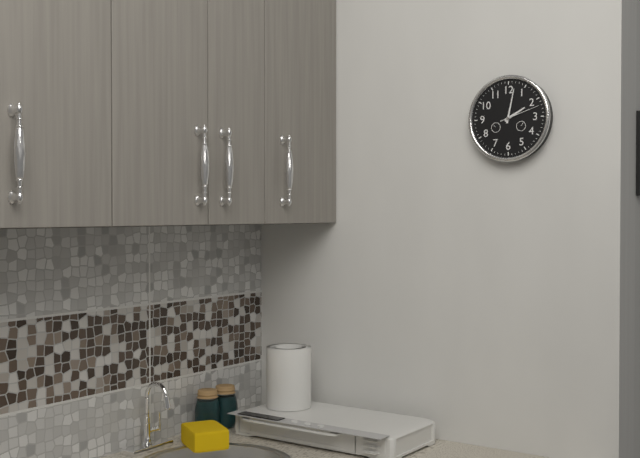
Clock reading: 2.02
